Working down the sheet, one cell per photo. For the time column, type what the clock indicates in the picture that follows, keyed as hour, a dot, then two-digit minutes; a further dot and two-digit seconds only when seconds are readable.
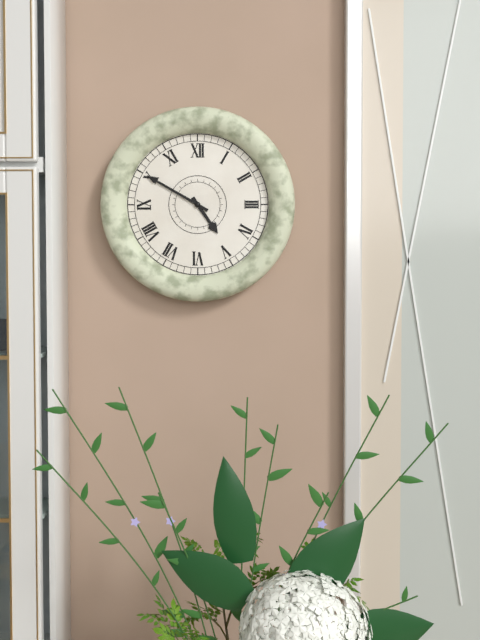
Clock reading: 4.50
